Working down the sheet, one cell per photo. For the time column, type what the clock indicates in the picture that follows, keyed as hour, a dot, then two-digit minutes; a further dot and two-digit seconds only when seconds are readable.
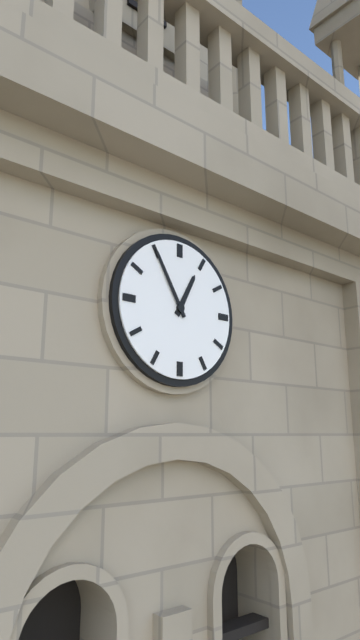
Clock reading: 12.55
